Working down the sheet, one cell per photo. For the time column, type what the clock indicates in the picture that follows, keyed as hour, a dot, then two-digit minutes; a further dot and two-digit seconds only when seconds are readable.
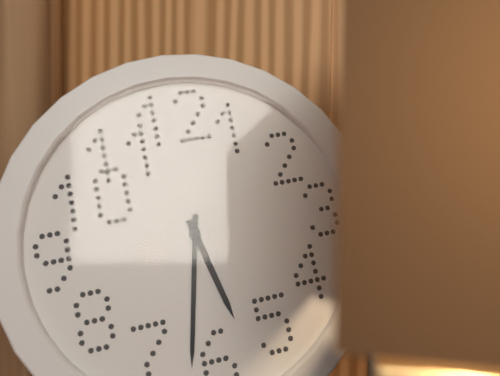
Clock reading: 5.32
